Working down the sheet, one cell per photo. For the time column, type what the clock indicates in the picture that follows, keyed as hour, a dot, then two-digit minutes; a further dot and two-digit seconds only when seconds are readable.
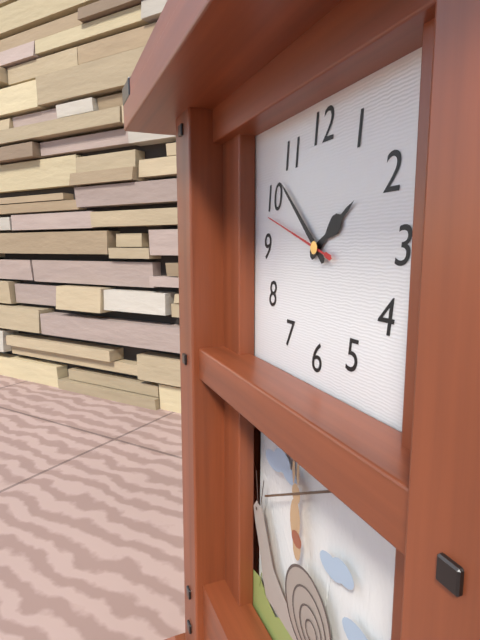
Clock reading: 1.52.48
